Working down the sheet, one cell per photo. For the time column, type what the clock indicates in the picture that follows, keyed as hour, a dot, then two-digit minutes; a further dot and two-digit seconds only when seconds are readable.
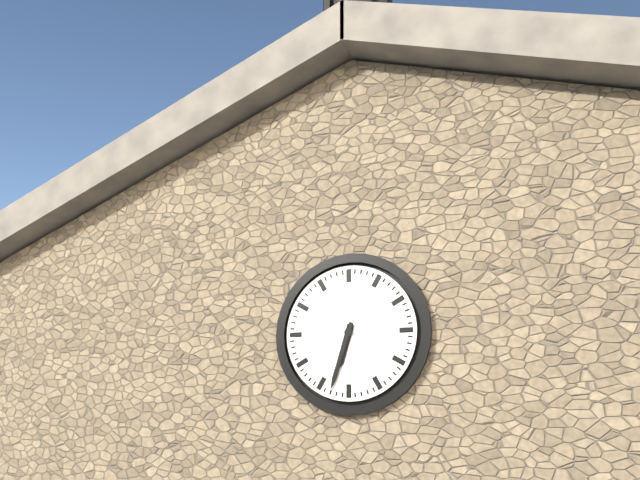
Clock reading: 6.33
